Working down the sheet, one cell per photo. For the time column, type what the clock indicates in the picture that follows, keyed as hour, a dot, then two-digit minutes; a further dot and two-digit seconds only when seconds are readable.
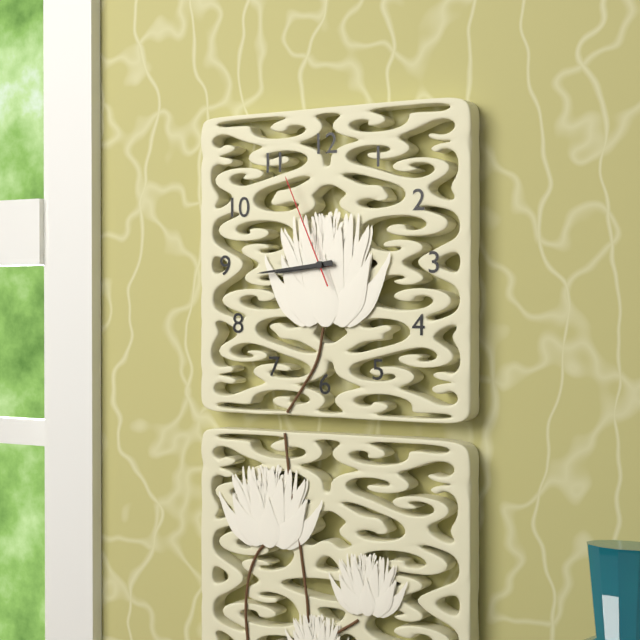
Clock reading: 8.44.56
